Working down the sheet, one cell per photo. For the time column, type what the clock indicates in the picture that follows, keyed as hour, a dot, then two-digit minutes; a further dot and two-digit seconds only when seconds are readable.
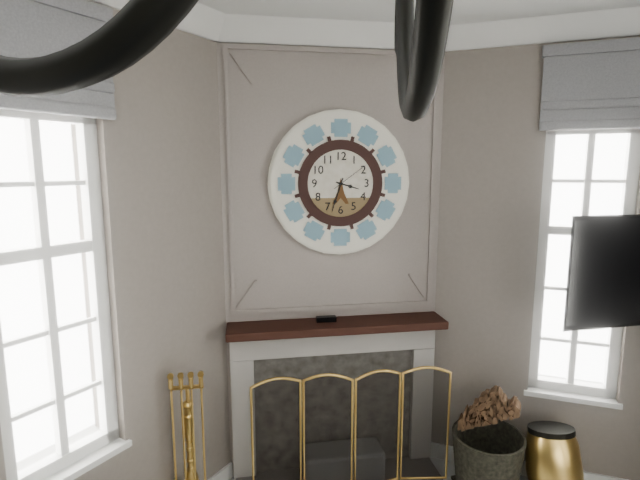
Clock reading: 3.33
